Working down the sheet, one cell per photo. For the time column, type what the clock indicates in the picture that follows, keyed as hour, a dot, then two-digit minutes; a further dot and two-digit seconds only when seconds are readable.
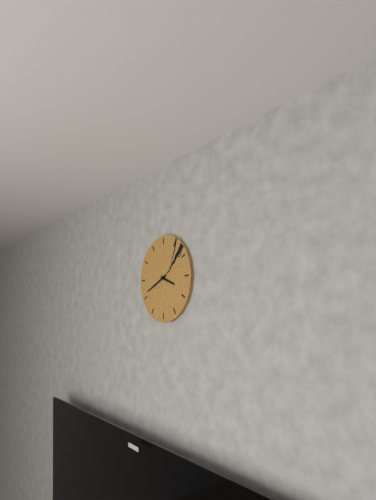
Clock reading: 3.41
